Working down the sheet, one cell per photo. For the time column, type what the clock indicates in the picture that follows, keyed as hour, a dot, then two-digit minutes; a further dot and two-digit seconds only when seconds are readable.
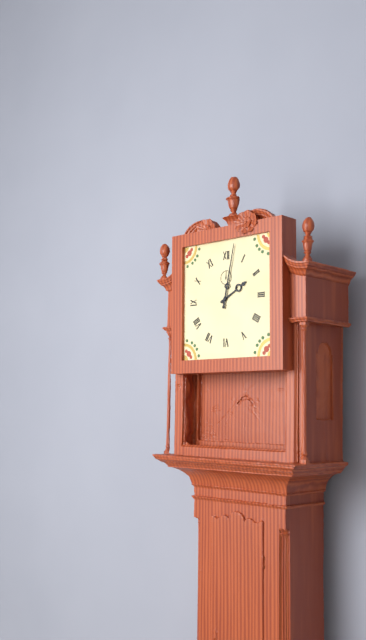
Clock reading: 2.02
